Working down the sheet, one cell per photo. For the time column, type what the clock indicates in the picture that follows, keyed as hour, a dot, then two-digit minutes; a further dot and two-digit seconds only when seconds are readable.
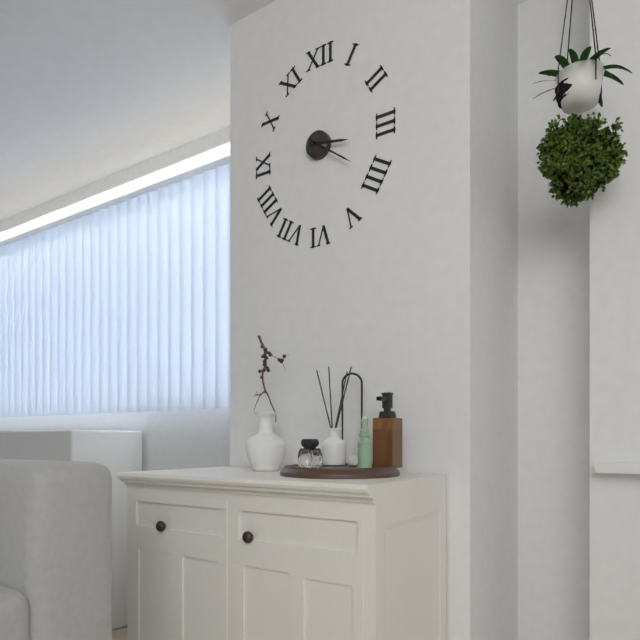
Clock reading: 3.21
